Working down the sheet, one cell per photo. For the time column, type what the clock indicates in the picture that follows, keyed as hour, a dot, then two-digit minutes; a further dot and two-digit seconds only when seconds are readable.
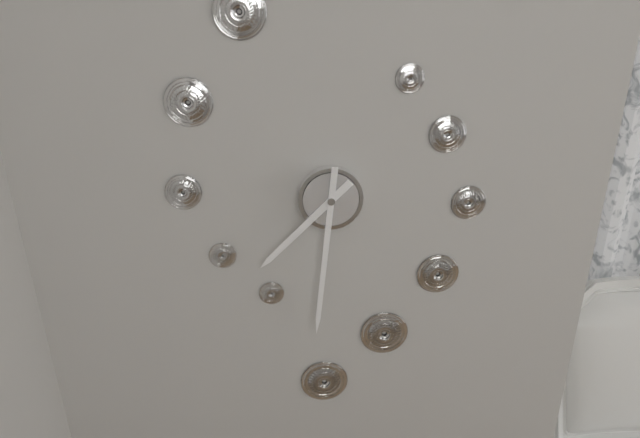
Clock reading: 7.31
